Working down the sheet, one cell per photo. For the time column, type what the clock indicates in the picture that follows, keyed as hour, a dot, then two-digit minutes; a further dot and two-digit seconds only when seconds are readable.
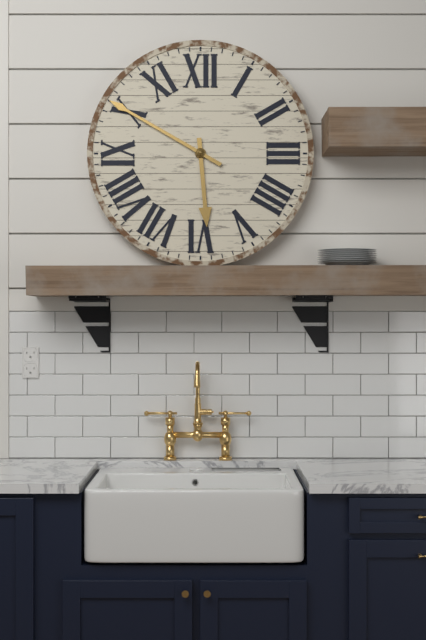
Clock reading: 5.50
